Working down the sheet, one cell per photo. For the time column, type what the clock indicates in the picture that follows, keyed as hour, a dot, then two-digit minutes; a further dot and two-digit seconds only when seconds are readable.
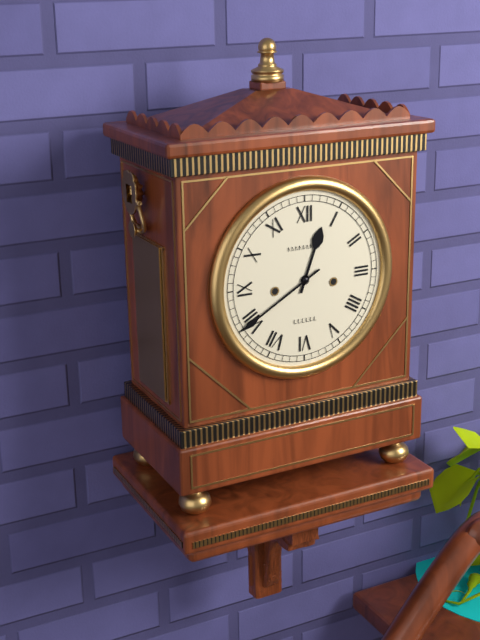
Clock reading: 12.40
